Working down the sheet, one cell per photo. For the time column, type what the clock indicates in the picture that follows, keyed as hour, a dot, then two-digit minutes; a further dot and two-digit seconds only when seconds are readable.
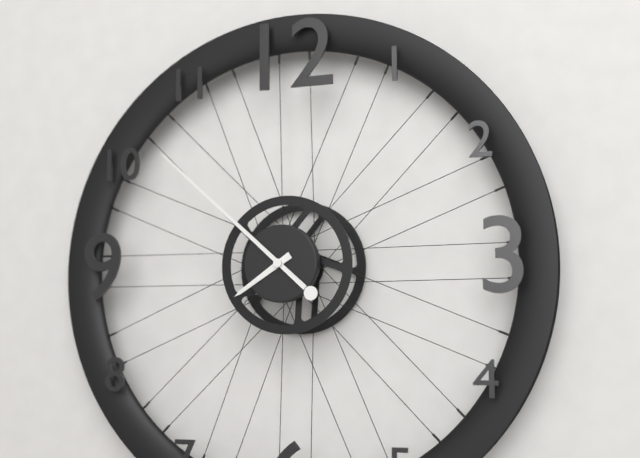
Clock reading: 7.52
